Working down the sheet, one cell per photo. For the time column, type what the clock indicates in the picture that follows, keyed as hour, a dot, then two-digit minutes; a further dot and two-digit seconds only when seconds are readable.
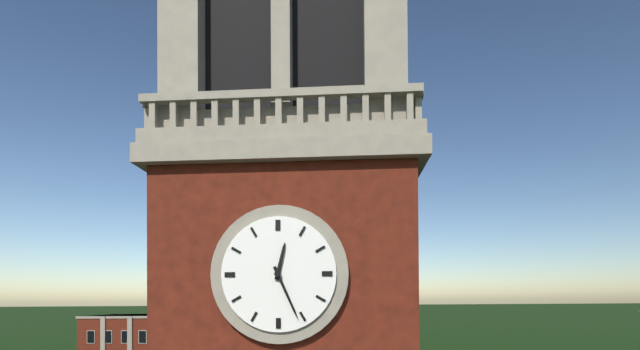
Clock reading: 12.26
